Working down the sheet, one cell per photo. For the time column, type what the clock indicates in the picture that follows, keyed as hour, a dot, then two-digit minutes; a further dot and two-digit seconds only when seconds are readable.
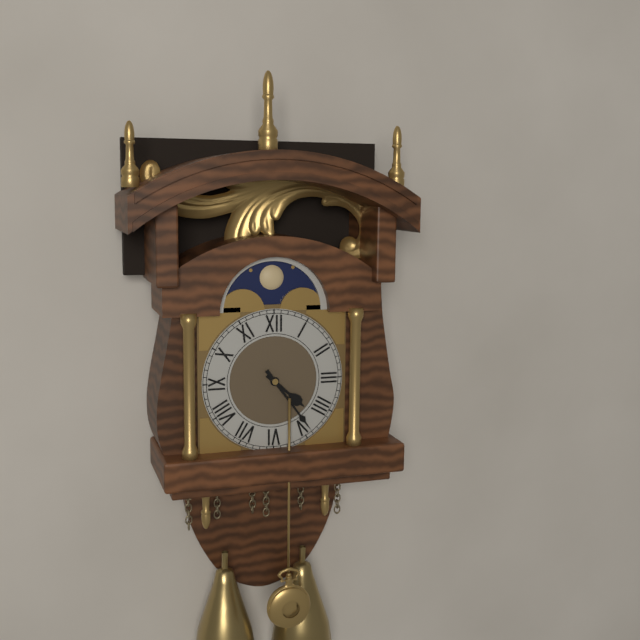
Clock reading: 4.24
